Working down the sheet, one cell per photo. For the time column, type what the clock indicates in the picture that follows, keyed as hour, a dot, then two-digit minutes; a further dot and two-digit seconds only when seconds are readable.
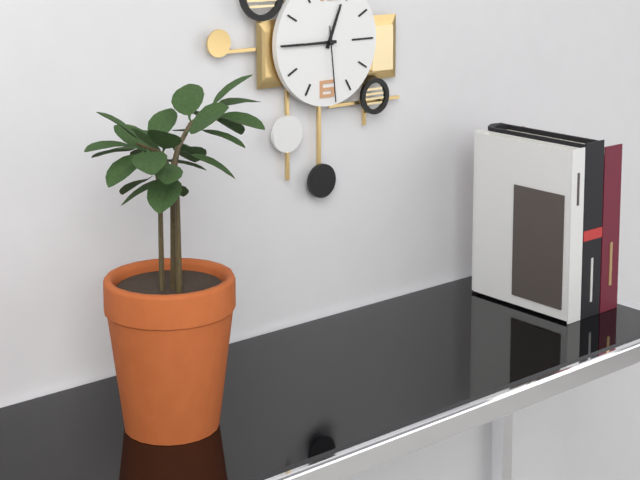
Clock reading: 12.45.29
